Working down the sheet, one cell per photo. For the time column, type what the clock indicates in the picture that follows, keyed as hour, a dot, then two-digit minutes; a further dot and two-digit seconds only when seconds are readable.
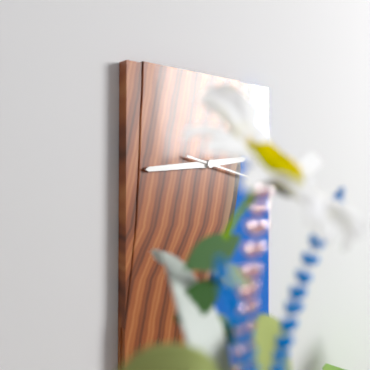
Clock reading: 2.44
